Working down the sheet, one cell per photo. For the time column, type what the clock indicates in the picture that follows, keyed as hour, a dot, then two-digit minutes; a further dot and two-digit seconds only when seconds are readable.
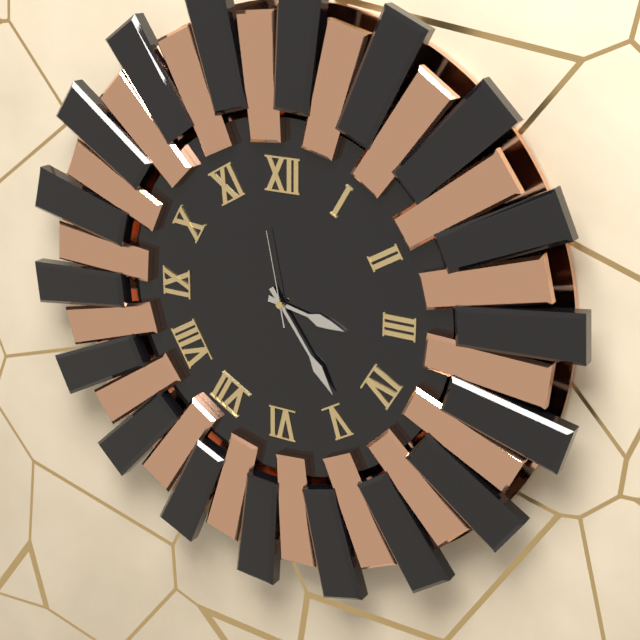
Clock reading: 3.24.58
